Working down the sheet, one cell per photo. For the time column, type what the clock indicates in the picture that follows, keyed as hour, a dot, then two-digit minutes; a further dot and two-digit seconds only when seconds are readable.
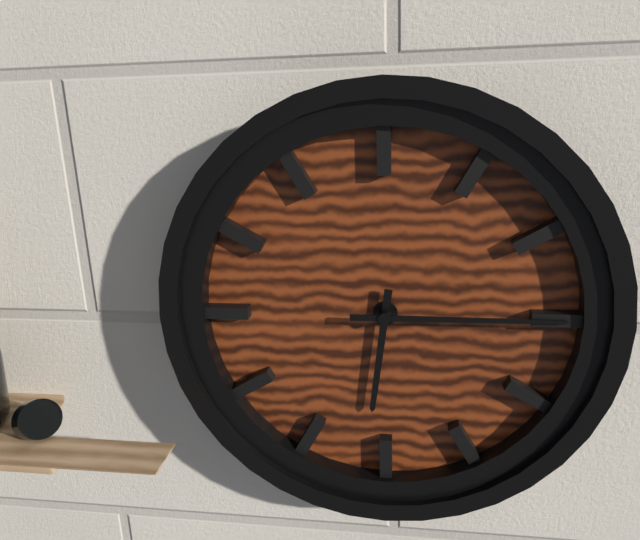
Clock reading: 6.15
